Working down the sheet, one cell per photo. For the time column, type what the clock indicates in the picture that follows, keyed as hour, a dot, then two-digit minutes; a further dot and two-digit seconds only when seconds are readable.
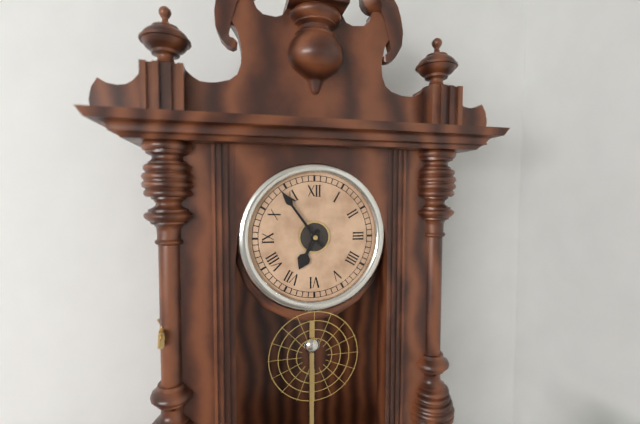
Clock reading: 6.54
